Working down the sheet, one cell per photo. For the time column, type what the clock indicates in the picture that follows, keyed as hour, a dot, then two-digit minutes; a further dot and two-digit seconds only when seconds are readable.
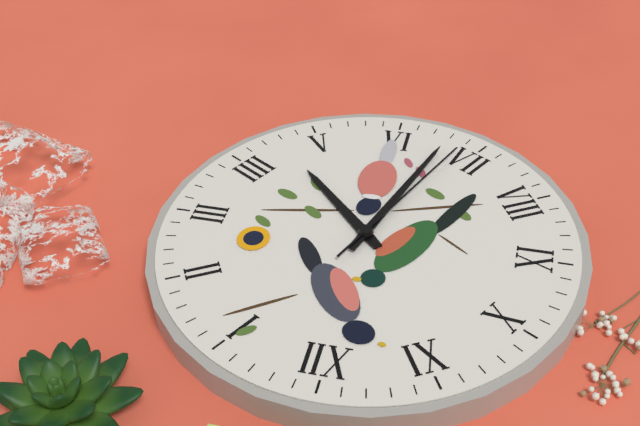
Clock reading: 4.33.34
